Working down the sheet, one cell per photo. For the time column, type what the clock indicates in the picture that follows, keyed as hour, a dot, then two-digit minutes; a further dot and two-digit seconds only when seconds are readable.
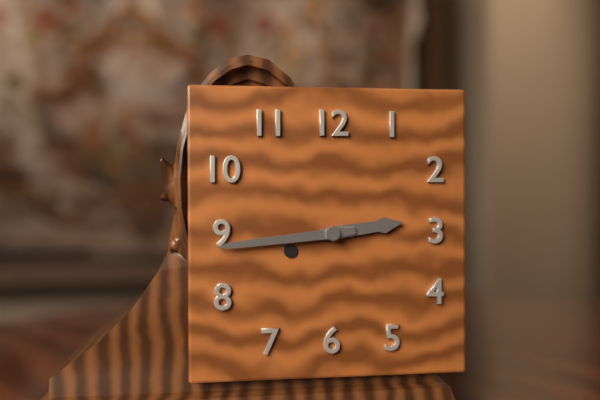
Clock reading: 2.44
